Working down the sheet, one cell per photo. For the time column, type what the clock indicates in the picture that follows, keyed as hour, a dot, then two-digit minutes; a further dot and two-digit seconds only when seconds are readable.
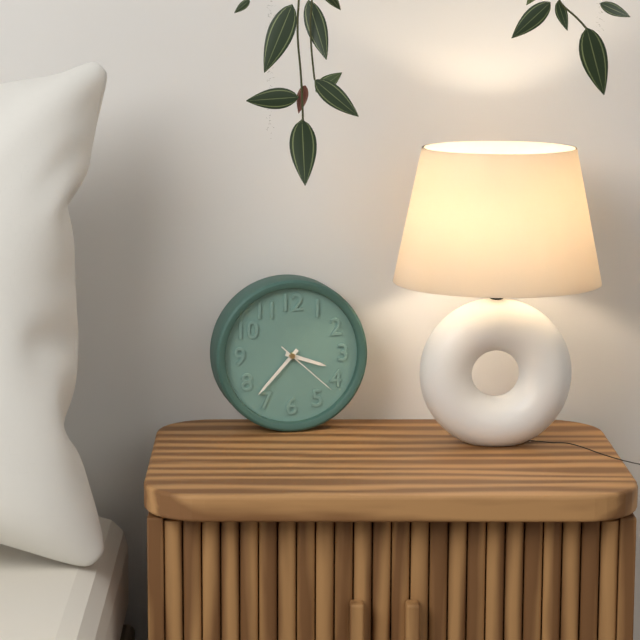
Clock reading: 3.37.22
